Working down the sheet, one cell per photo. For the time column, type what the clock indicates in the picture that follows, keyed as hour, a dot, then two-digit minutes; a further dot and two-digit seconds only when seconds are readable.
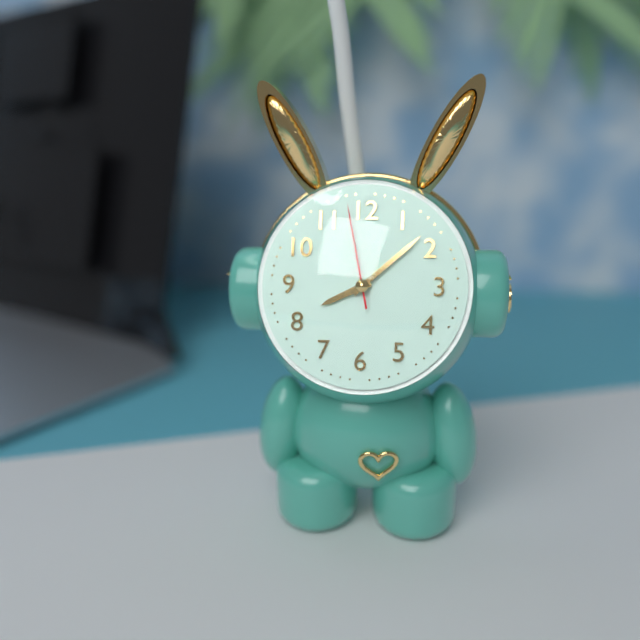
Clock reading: 8.08.58
